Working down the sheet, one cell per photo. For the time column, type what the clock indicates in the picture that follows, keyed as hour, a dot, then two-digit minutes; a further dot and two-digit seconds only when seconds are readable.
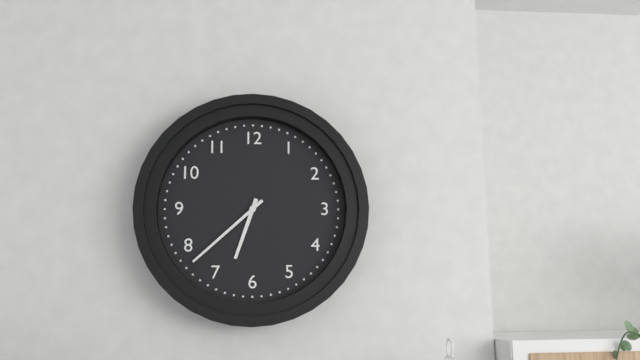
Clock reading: 6.38
